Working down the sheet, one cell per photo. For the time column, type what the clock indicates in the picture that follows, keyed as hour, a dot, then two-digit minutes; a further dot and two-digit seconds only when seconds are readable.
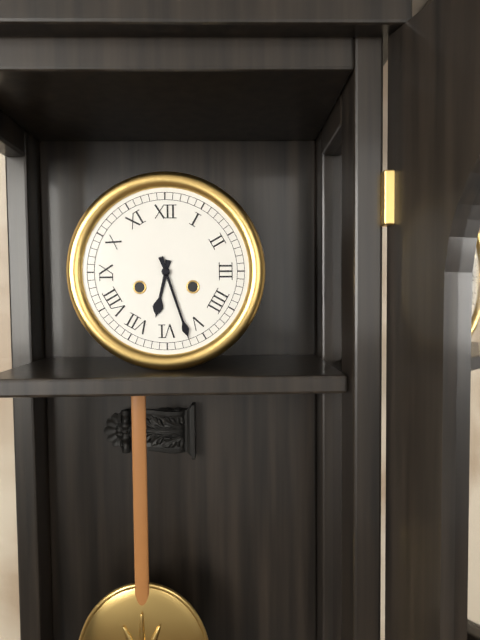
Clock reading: 6.27
